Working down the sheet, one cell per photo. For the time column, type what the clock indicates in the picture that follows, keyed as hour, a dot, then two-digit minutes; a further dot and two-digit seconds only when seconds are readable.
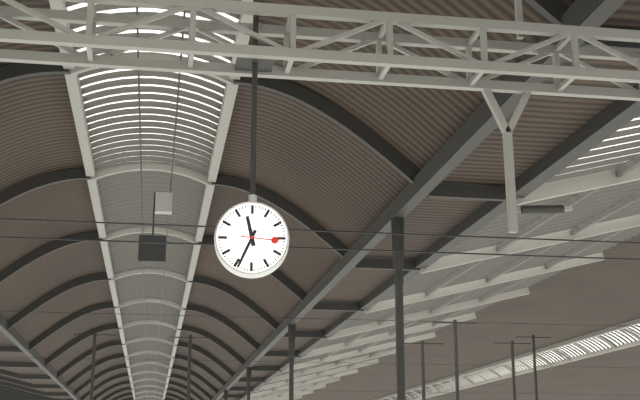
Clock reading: 11.34
